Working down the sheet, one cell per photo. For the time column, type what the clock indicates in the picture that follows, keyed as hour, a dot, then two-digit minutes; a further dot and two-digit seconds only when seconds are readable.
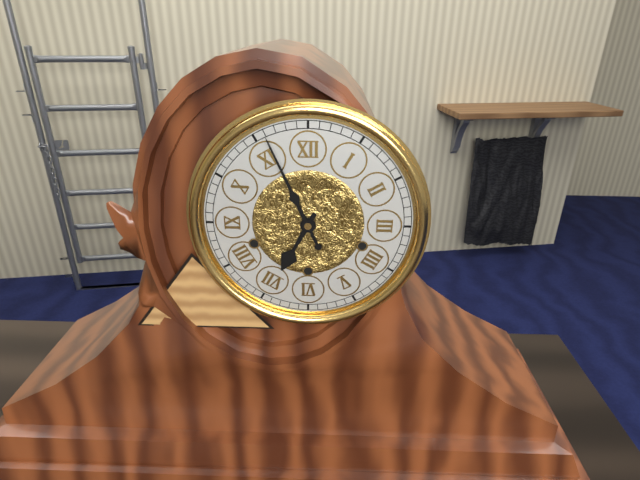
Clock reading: 6.56
